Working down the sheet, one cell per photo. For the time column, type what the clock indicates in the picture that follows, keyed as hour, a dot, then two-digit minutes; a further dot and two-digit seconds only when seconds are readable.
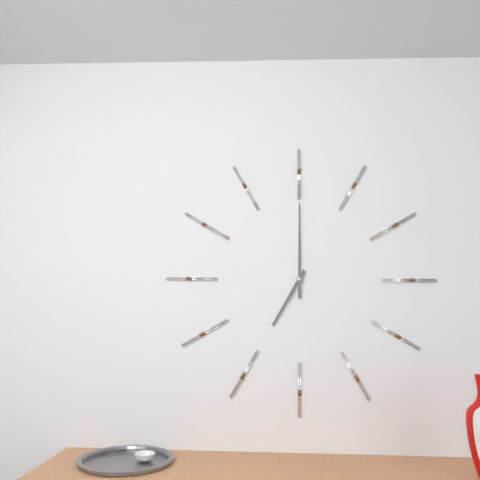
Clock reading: 7.00
